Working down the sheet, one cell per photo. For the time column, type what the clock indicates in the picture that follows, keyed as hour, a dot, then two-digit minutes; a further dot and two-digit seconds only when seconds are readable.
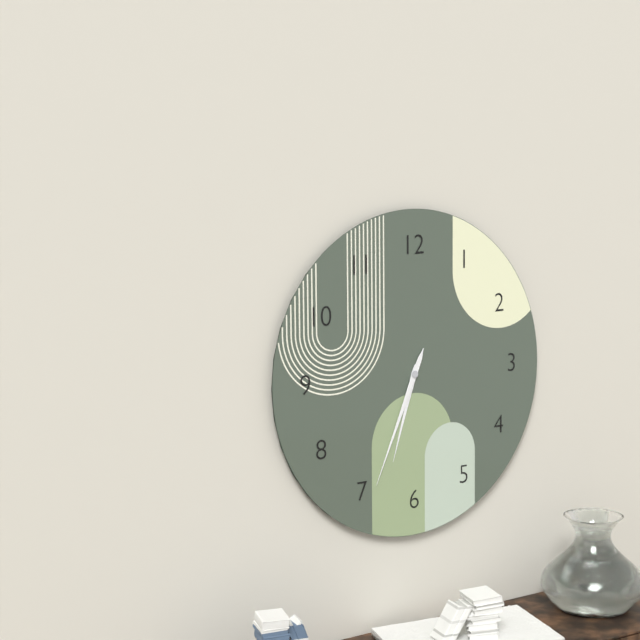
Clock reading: 6.34
